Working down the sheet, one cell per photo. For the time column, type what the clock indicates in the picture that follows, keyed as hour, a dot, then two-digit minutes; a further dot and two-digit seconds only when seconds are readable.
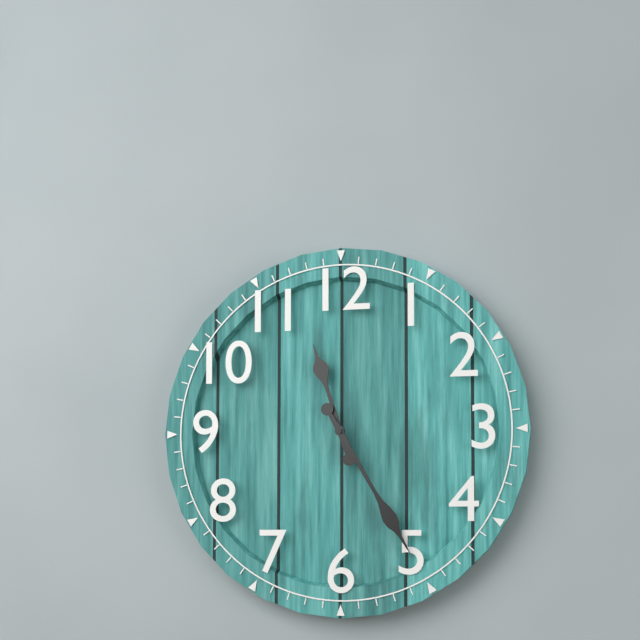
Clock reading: 11.25
